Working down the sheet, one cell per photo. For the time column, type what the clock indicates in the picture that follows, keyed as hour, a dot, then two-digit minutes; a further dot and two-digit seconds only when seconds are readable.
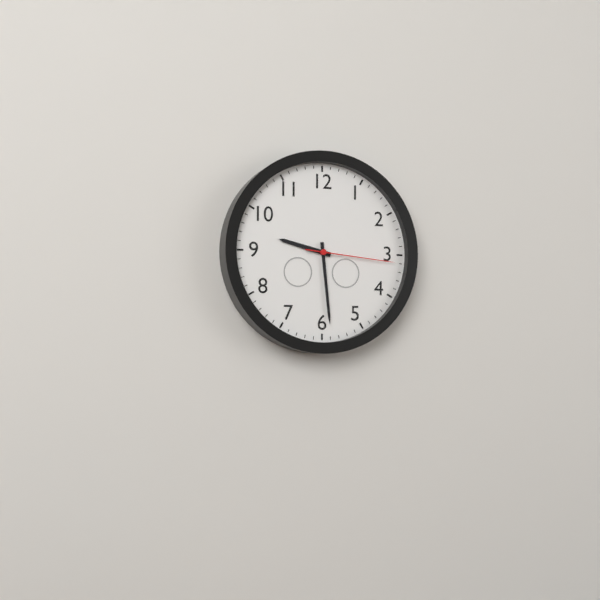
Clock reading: 9.29.16
